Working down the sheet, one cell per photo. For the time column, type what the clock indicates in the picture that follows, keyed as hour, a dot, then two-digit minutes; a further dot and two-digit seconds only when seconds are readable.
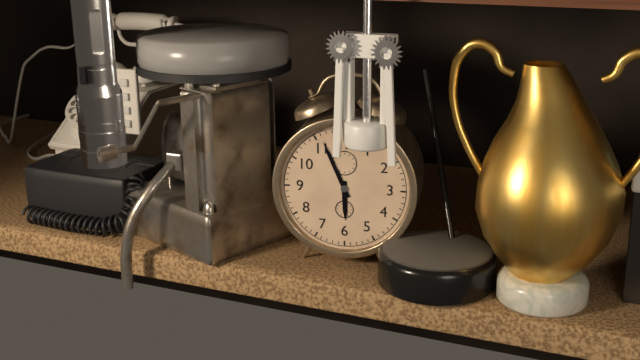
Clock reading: 5.56
